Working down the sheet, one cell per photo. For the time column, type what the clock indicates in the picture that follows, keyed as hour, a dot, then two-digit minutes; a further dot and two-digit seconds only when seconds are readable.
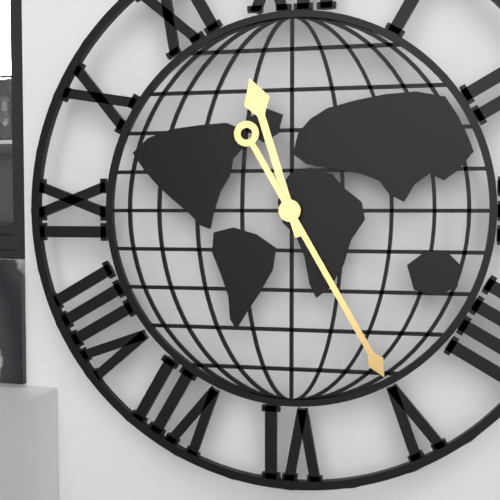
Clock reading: 11.25
